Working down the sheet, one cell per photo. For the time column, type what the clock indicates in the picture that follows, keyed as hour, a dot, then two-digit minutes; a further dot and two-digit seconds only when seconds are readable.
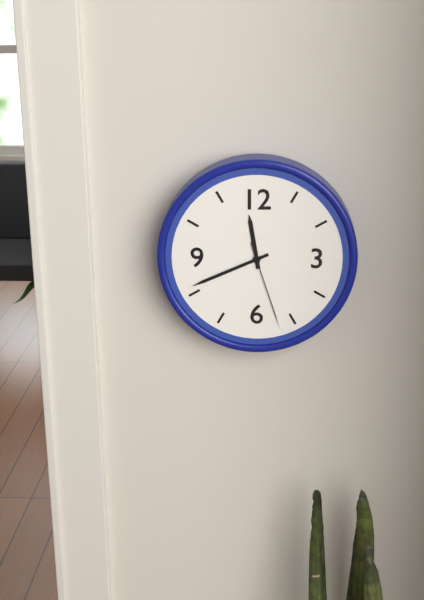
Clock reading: 11.41.27
